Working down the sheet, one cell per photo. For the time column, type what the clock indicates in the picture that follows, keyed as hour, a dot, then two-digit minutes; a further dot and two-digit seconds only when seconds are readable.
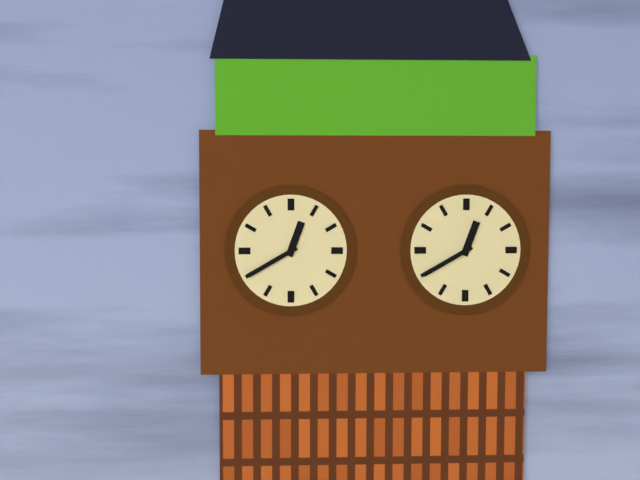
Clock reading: 12.40
